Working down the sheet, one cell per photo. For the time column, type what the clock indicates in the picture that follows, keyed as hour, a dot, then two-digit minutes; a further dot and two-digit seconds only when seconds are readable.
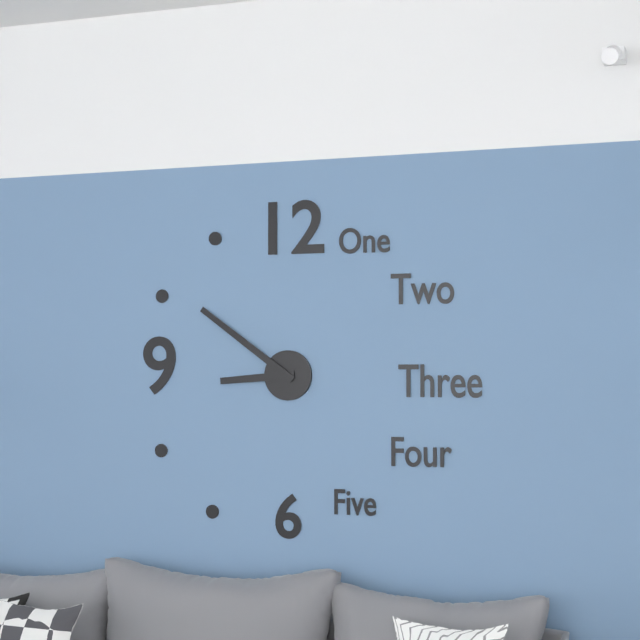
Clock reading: 8.51
